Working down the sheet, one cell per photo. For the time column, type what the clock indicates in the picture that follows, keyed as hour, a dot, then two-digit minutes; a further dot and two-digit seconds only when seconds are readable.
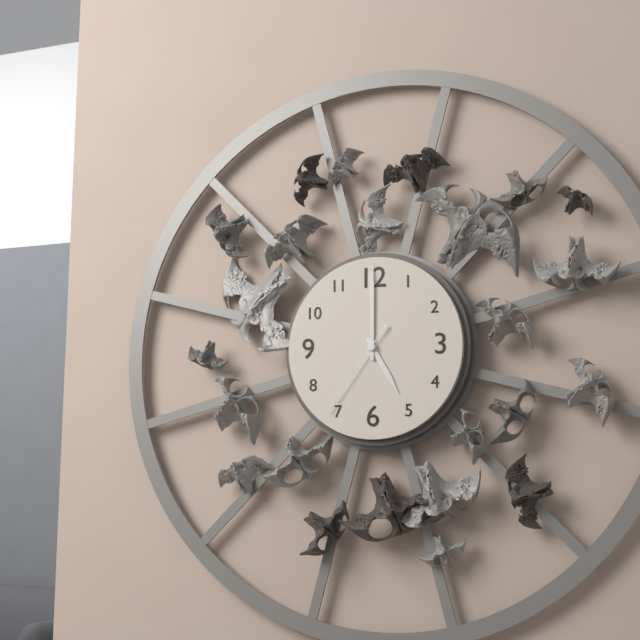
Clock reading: 5.00.36
